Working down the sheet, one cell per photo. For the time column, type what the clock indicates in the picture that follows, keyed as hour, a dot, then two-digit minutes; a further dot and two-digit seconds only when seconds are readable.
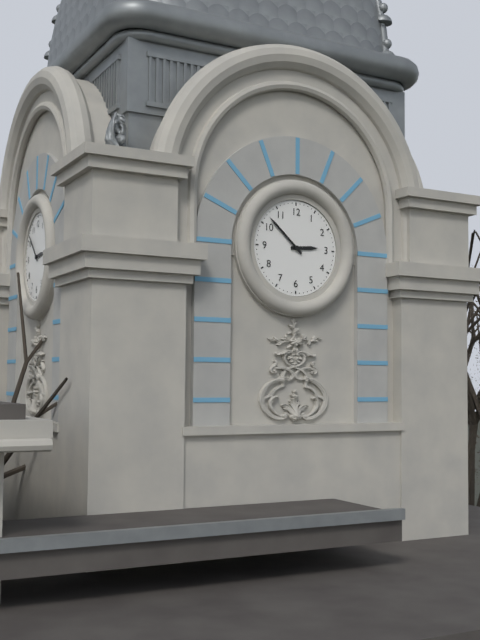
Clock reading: 2.52
